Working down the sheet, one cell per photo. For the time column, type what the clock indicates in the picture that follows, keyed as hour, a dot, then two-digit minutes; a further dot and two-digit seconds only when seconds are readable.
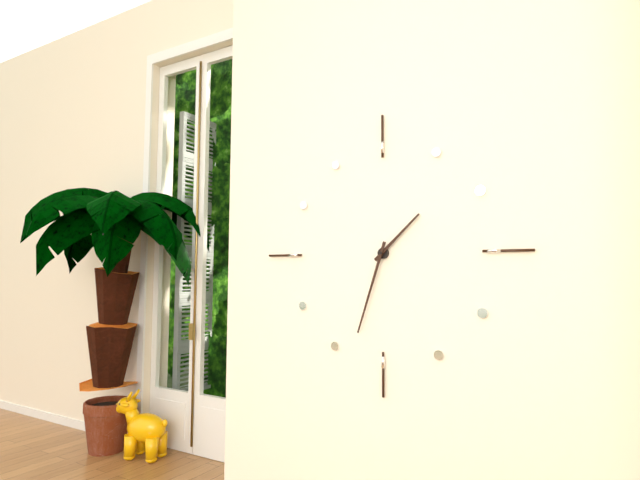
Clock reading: 1.33
